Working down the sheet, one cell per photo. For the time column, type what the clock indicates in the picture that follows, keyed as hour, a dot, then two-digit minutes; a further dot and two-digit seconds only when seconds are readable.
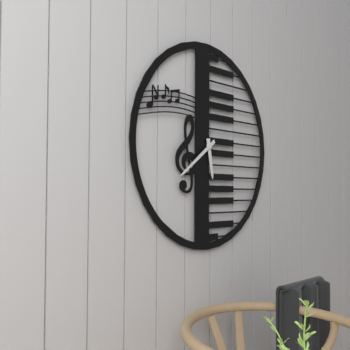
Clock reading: 5.39
